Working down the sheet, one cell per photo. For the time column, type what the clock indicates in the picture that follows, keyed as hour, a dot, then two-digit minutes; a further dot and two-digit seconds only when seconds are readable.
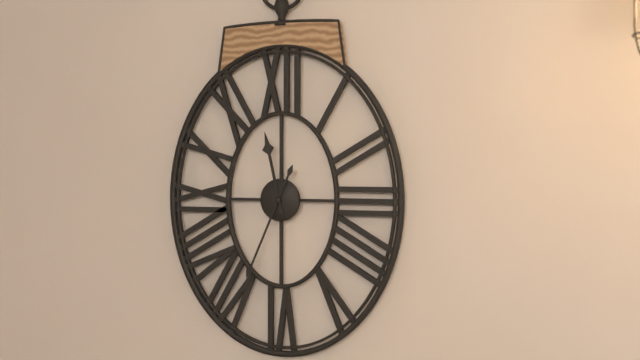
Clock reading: 11.34
